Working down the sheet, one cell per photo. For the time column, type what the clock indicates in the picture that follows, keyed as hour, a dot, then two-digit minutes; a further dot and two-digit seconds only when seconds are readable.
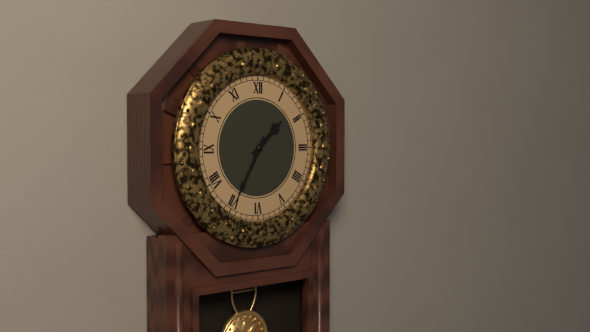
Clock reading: 1.35
